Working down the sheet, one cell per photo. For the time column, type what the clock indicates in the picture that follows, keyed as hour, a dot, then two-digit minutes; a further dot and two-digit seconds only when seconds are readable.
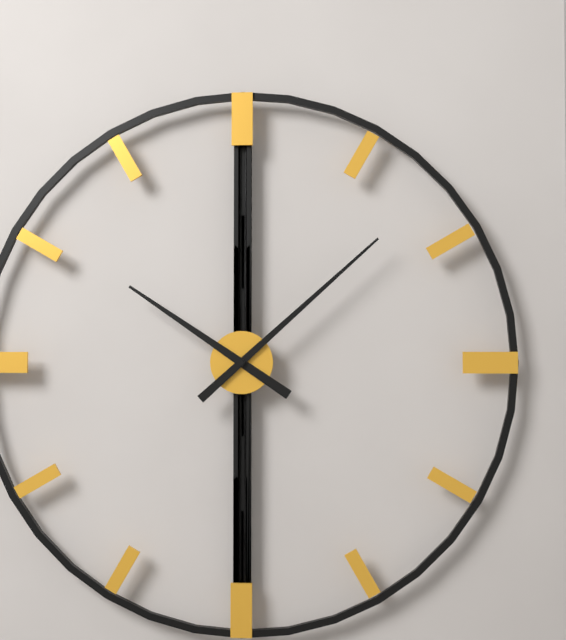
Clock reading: 10.08
